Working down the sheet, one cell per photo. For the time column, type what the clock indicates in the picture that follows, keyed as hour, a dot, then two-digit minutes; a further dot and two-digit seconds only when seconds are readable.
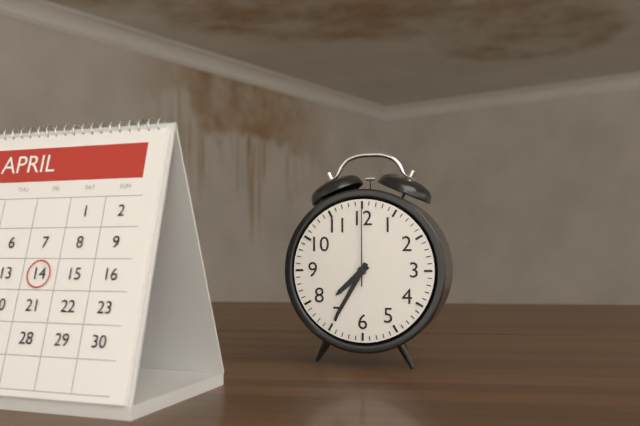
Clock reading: 7.35.00
